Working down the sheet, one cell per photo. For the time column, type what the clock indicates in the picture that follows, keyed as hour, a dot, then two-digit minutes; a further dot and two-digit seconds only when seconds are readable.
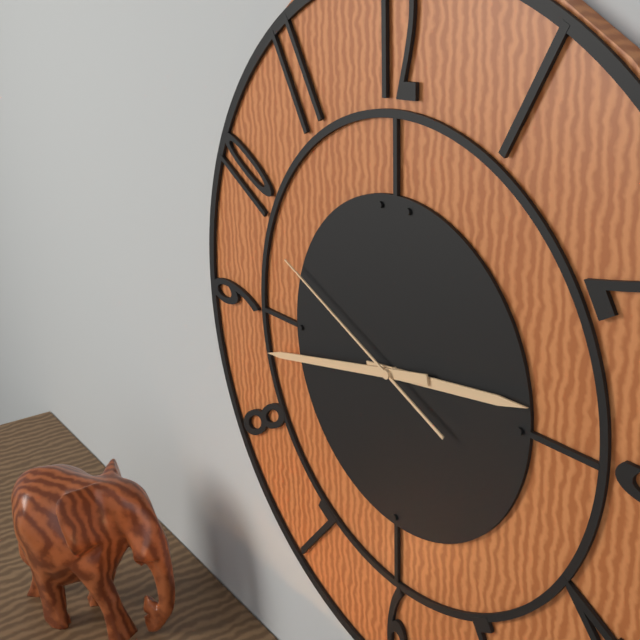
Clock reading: 2.43.49
